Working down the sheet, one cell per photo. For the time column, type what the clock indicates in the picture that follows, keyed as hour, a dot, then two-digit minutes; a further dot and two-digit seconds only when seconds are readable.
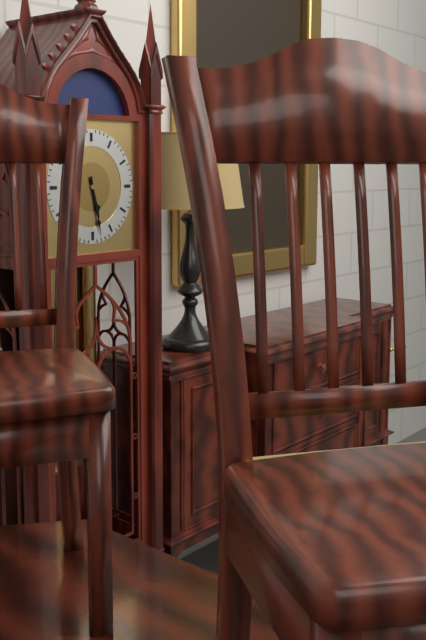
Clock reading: 5.28
